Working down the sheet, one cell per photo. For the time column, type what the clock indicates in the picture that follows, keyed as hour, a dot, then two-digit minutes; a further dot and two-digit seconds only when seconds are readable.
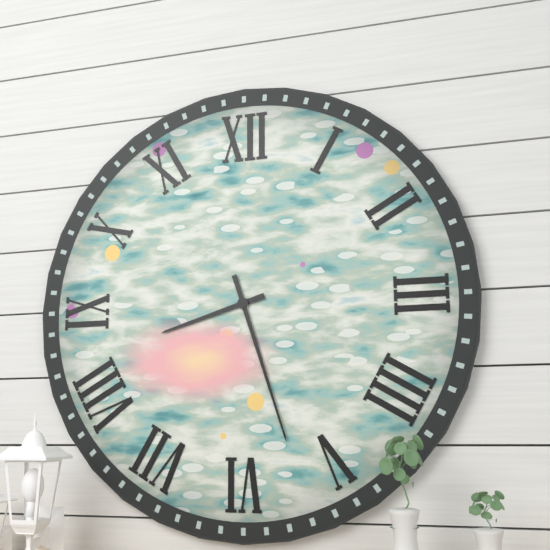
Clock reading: 8.27
